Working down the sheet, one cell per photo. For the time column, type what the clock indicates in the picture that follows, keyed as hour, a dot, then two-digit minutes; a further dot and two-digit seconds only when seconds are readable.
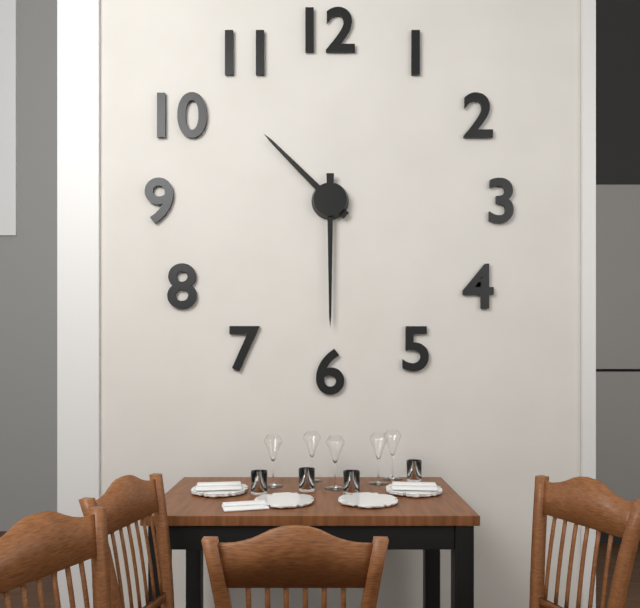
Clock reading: 10.30
